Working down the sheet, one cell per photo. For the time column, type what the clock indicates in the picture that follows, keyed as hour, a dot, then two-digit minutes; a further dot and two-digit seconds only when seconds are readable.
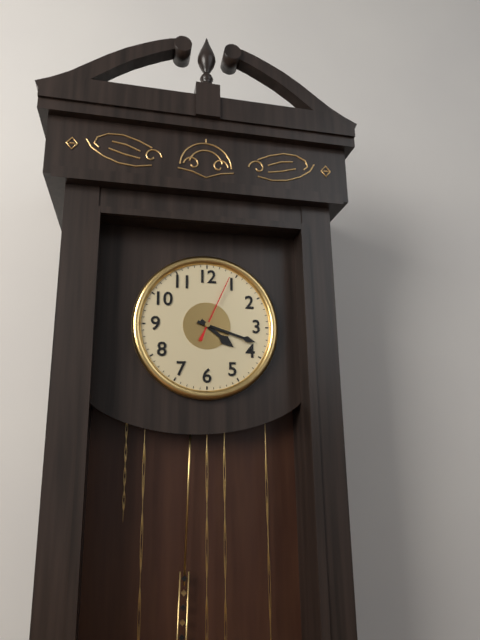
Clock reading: 4.18.04
